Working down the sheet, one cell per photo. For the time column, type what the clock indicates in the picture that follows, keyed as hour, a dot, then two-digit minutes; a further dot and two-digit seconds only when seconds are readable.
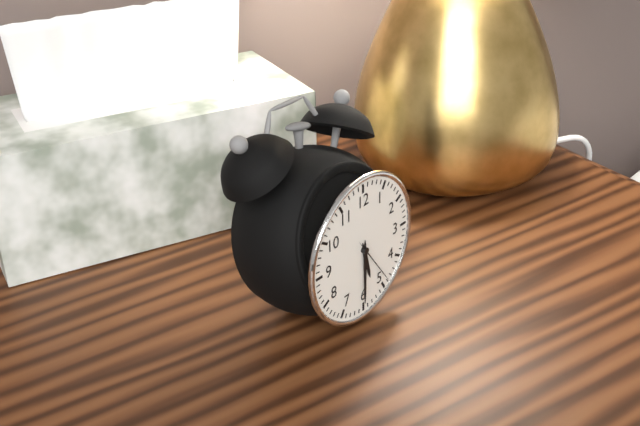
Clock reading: 5.30
